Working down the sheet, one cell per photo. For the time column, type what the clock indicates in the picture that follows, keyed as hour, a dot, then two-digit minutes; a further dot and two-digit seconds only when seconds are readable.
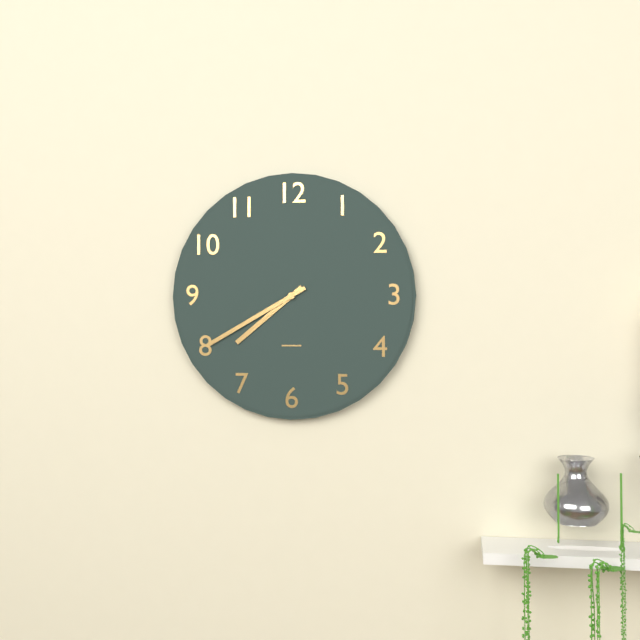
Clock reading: 7.40
